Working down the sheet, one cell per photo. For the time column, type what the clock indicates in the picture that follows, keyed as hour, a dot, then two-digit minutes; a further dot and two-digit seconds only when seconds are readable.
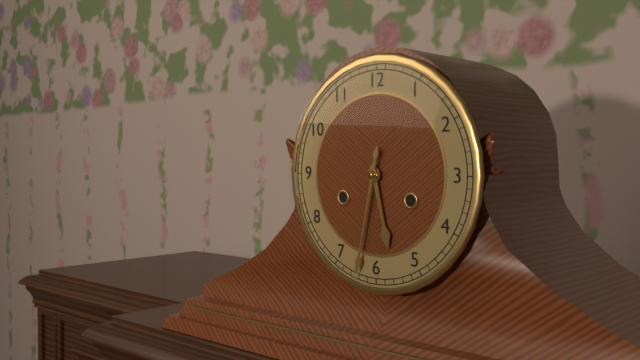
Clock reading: 5.32
